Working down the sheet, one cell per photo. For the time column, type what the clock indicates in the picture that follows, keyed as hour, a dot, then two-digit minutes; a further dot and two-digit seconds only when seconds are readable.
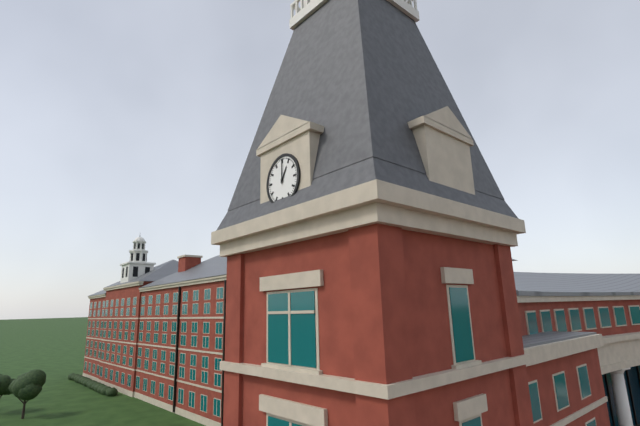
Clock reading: 1.00
